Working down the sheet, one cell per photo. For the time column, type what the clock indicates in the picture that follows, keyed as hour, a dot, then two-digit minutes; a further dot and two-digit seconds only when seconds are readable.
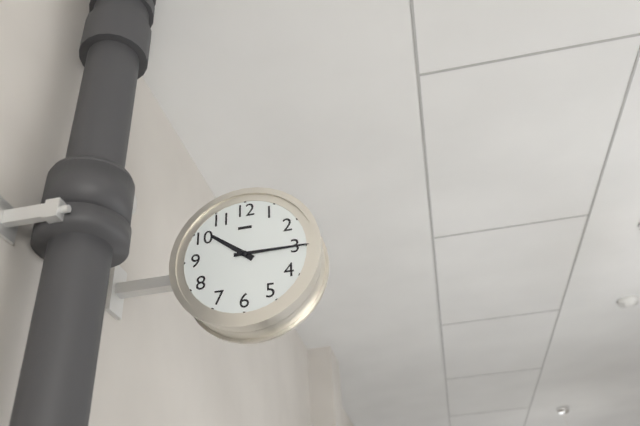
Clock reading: 10.15
